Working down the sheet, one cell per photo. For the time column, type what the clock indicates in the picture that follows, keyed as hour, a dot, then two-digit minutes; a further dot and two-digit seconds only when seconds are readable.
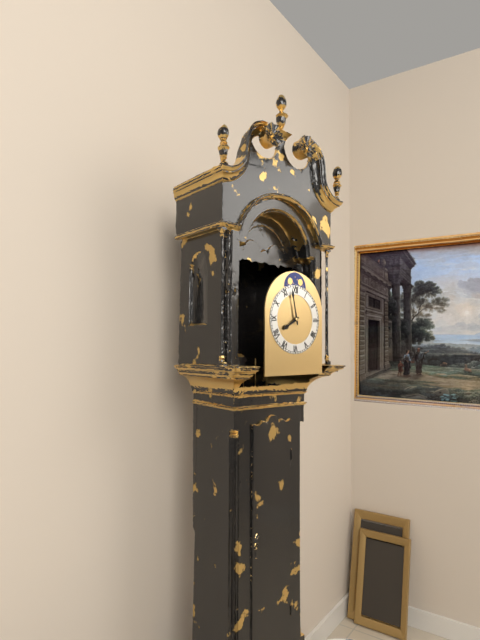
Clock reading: 7.58
